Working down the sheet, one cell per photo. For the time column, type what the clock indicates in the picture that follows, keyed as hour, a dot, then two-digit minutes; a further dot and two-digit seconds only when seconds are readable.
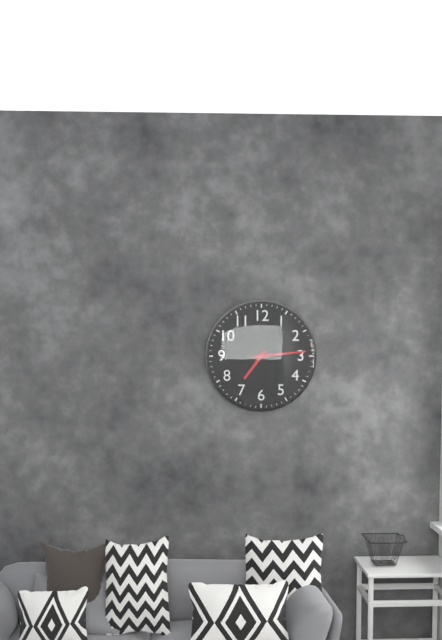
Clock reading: 7.14
